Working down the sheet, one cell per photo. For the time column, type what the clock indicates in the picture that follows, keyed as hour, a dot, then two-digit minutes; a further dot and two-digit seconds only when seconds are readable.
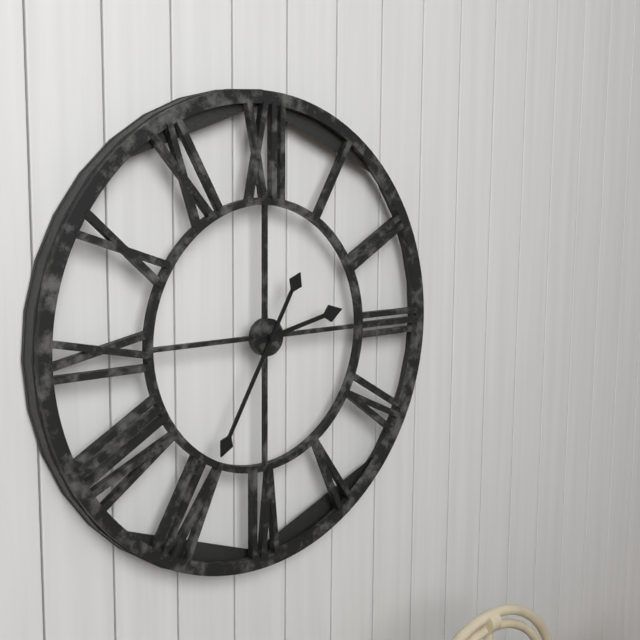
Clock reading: 2.35
